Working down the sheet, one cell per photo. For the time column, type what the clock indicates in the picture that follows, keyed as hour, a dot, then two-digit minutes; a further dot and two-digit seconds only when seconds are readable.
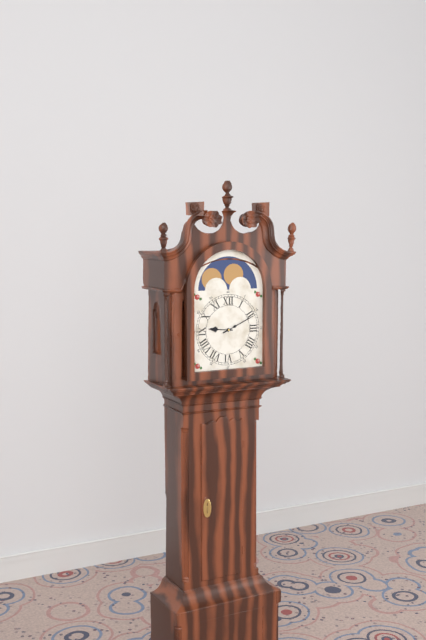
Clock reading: 9.11
